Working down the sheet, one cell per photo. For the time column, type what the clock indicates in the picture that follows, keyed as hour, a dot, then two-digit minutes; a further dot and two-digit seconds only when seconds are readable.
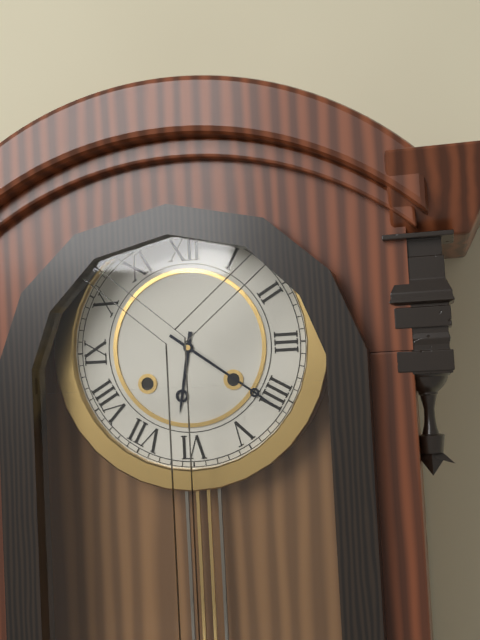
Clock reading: 6.21
